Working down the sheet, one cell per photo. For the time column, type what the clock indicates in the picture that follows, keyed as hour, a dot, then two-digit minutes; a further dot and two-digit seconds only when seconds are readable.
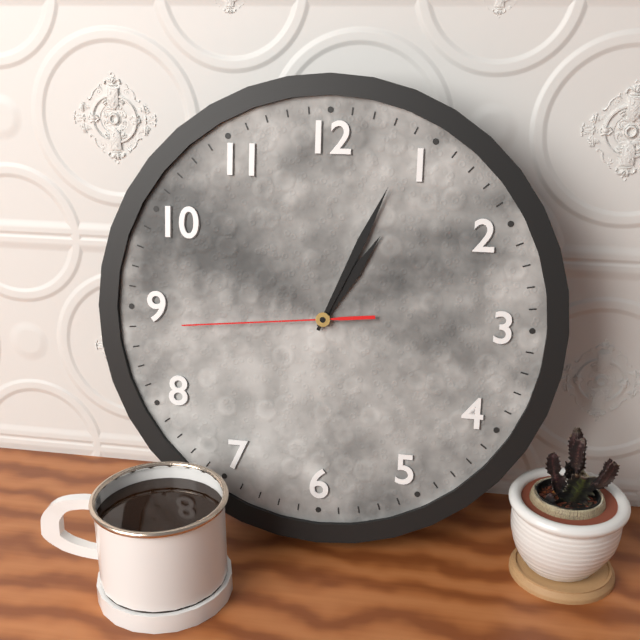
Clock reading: 1.04.44
